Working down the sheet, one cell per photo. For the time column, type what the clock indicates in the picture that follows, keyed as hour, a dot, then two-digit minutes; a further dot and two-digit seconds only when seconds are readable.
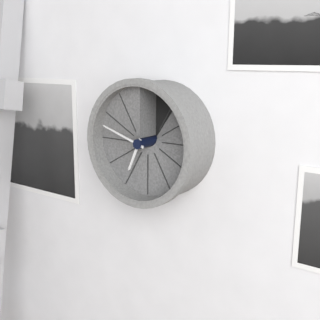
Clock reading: 6.48
